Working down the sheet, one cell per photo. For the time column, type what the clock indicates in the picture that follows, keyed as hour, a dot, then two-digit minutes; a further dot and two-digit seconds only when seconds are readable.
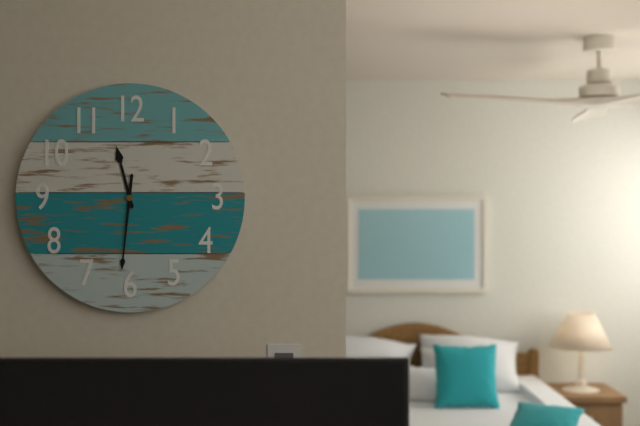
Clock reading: 11.31
